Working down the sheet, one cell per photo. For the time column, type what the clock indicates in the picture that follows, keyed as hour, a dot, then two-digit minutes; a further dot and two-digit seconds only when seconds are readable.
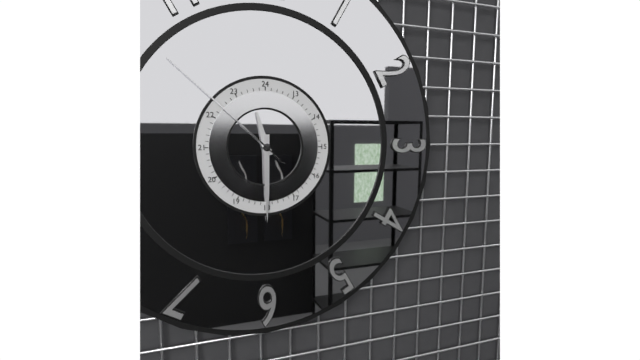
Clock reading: 11.30.52
